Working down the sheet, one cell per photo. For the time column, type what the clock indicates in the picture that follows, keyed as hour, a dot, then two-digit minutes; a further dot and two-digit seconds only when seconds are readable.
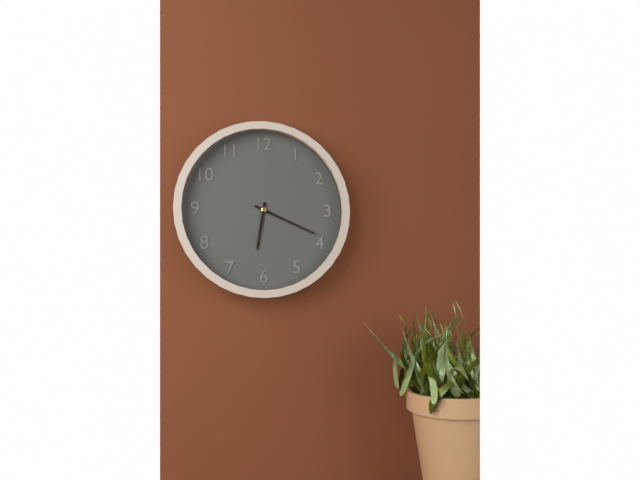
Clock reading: 6.19
